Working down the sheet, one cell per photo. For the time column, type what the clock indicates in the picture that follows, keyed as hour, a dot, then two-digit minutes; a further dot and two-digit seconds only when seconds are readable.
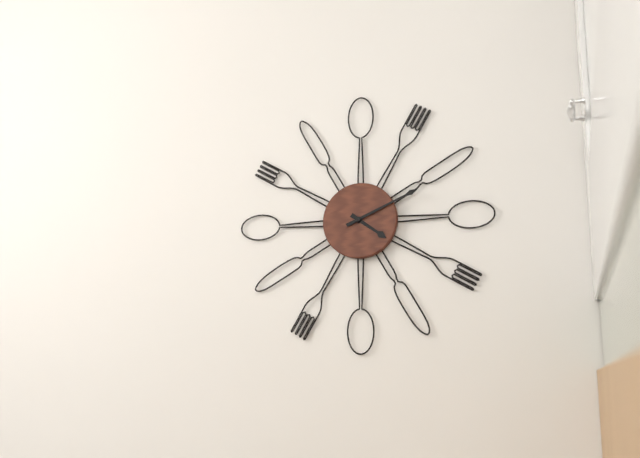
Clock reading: 4.11
